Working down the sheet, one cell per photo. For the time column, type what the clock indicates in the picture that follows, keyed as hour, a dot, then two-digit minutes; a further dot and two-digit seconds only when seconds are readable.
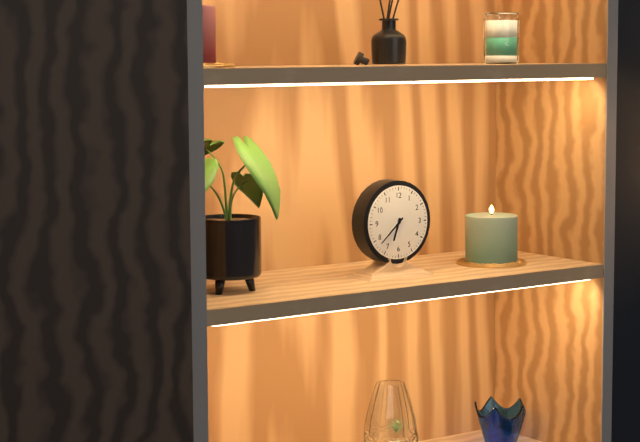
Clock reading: 6.38
